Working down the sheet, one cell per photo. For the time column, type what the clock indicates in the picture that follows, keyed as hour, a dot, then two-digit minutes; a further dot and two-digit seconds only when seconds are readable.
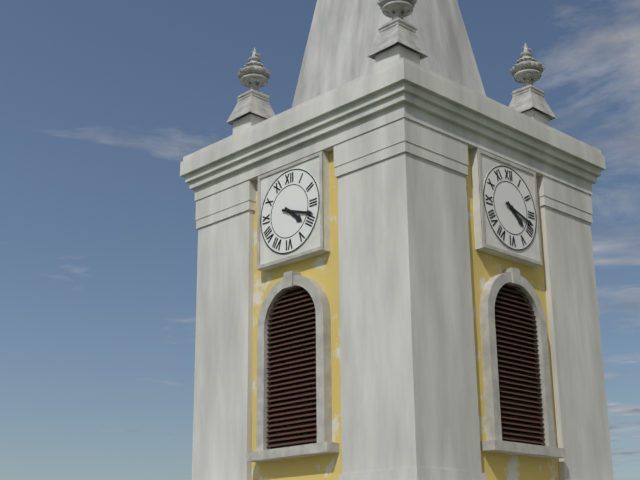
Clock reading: 4.18
